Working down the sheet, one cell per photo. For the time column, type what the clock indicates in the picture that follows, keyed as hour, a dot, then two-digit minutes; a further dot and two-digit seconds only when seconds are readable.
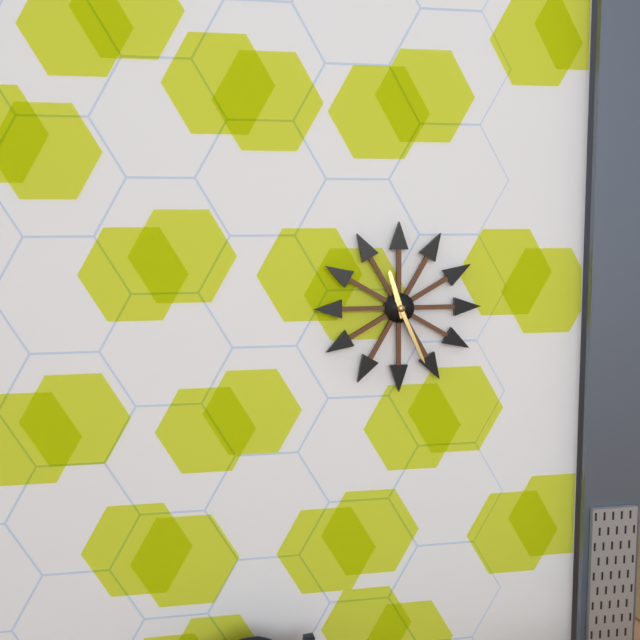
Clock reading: 11.26
